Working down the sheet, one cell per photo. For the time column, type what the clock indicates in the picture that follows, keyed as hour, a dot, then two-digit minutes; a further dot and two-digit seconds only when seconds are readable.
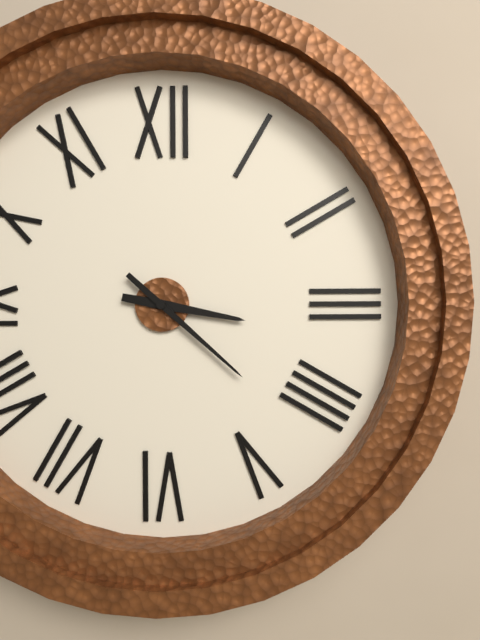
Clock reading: 3.22
